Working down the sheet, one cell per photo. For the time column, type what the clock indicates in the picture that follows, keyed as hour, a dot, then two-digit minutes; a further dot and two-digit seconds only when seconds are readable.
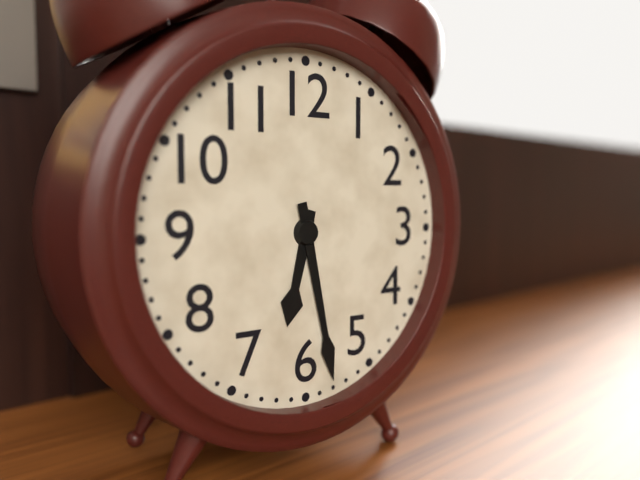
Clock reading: 6.28
